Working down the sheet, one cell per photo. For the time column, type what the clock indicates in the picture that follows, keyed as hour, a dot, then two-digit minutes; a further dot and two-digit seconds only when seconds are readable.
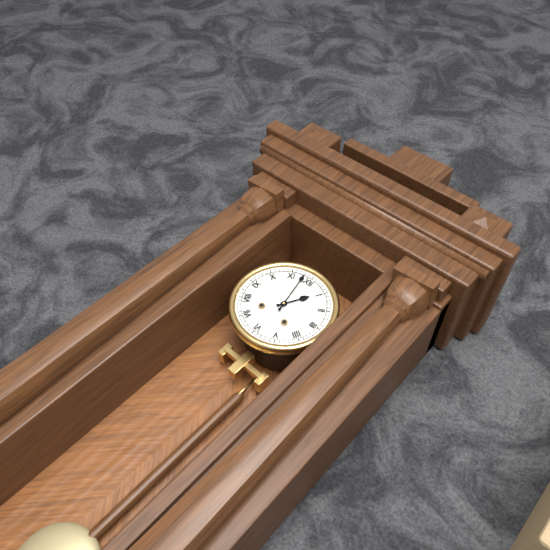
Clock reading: 12.58
